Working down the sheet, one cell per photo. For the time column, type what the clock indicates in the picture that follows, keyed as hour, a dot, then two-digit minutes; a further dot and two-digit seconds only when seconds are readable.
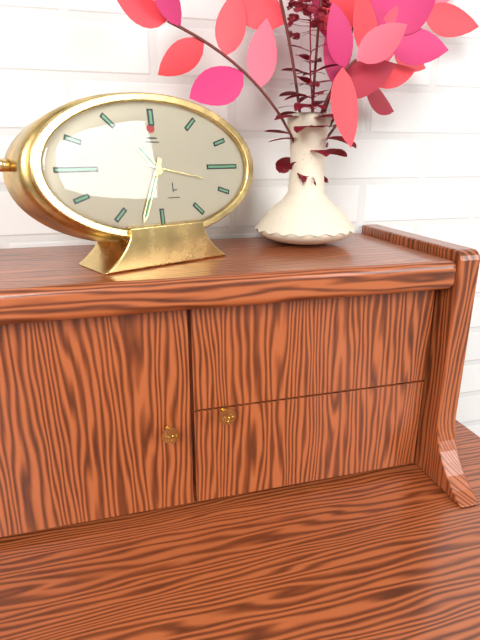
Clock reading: 10.34.17
